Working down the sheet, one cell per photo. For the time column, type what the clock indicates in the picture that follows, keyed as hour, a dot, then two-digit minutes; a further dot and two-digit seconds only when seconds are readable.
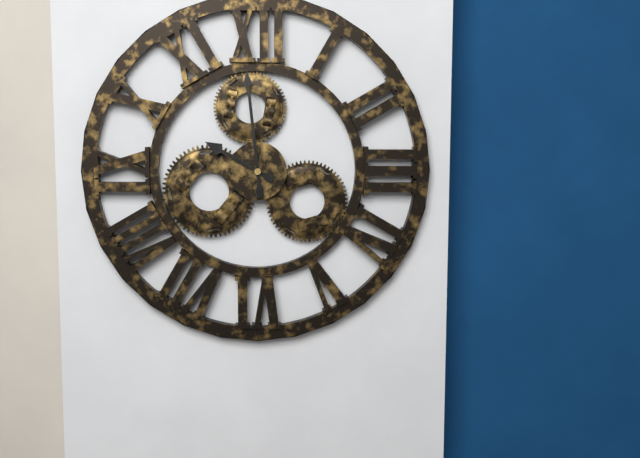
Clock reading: 9.59
